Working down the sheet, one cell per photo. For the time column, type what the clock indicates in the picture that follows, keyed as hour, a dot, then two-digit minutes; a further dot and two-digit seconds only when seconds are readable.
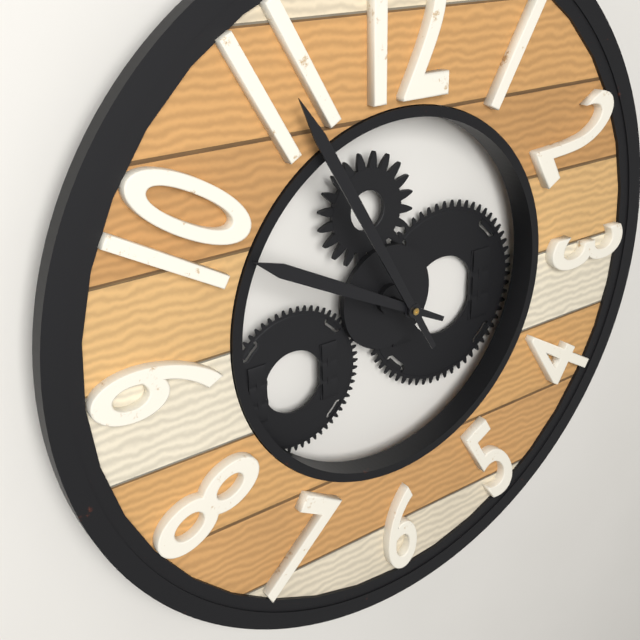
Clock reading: 9.55
